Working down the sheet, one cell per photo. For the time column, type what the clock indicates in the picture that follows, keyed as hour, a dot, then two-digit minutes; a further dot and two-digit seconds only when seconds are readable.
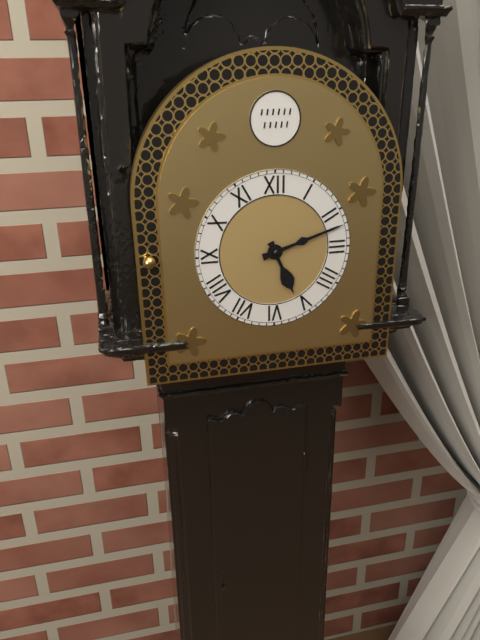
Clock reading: 5.12
